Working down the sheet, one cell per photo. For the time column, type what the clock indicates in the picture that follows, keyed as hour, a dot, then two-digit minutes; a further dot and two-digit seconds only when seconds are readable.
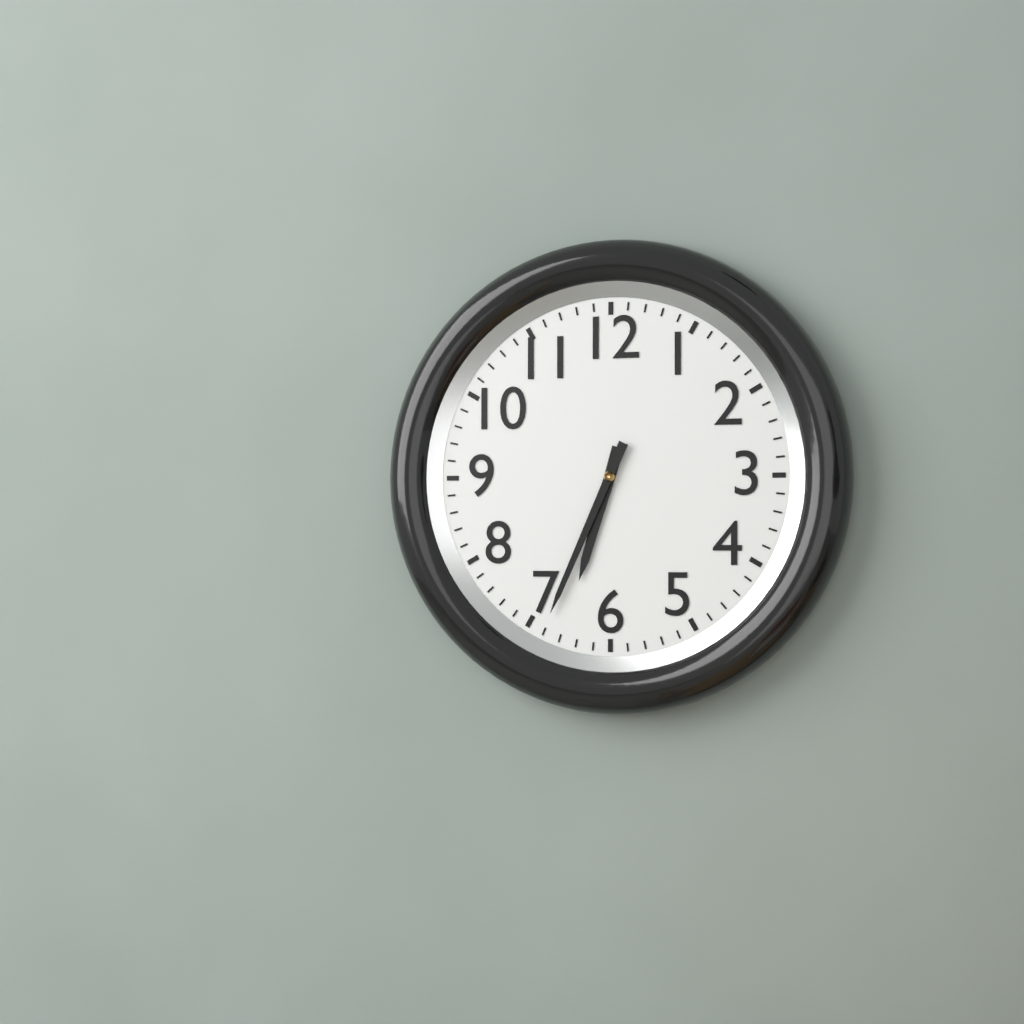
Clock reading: 6.34
